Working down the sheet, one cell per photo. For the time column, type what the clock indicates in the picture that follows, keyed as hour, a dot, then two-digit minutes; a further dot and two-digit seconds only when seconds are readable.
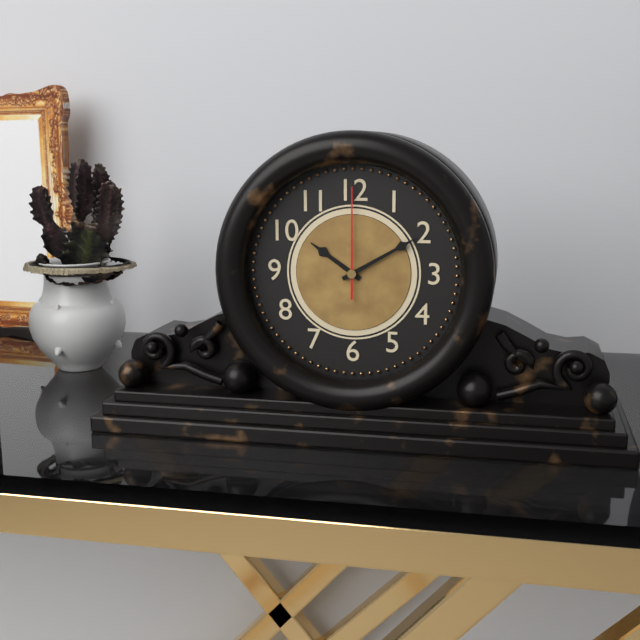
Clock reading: 10.10.00
